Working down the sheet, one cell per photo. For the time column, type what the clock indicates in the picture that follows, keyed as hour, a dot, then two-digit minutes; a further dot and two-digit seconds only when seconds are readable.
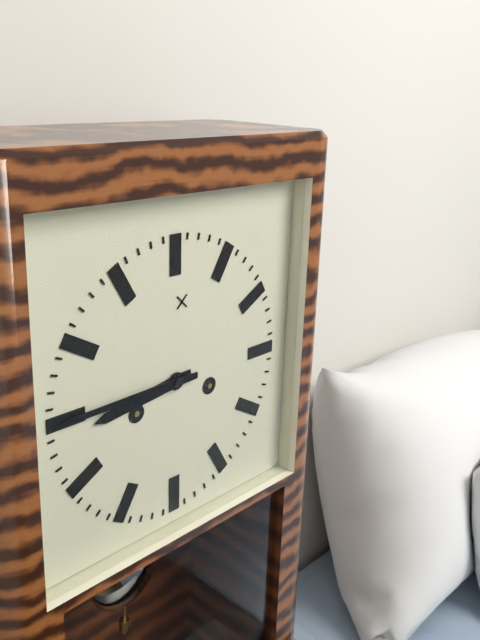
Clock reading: 8.45
